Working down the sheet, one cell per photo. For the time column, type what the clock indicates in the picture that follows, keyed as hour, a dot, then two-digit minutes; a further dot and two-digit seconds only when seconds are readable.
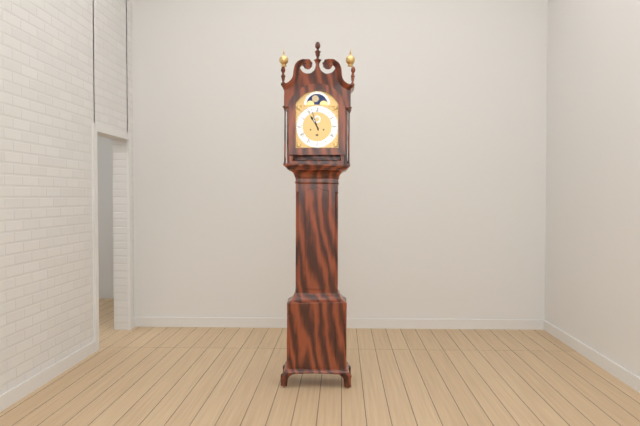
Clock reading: 10.57
